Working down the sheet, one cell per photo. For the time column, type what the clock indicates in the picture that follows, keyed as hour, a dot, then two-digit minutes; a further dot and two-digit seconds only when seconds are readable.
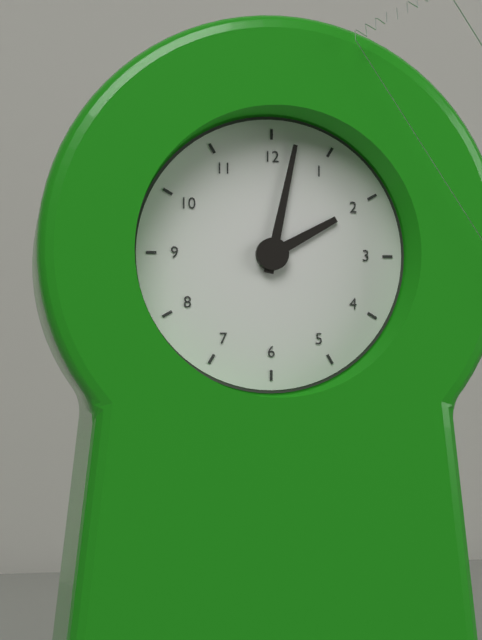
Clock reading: 2.02
